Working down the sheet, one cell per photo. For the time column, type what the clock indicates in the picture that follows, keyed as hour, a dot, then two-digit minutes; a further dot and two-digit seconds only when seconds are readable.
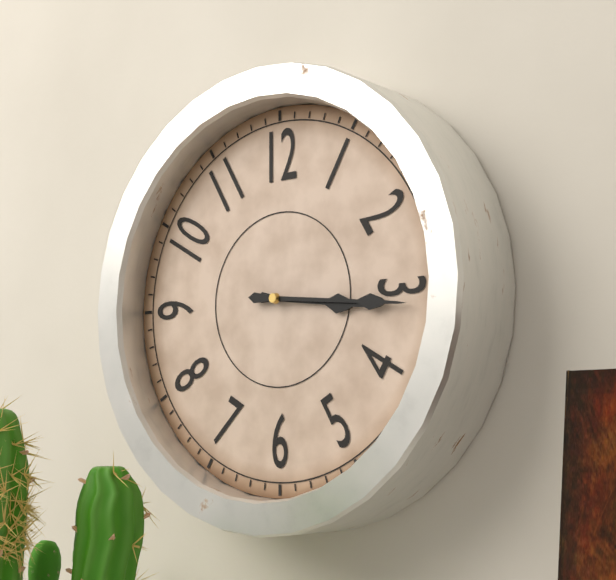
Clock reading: 3.16
